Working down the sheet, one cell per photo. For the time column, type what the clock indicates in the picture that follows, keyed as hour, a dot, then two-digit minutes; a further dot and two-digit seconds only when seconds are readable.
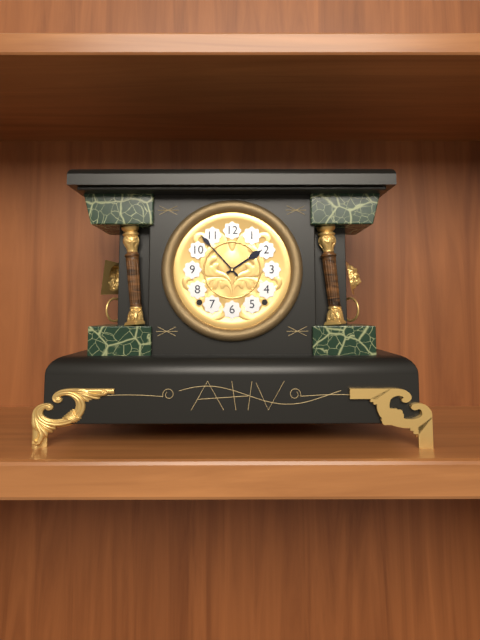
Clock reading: 1.53
